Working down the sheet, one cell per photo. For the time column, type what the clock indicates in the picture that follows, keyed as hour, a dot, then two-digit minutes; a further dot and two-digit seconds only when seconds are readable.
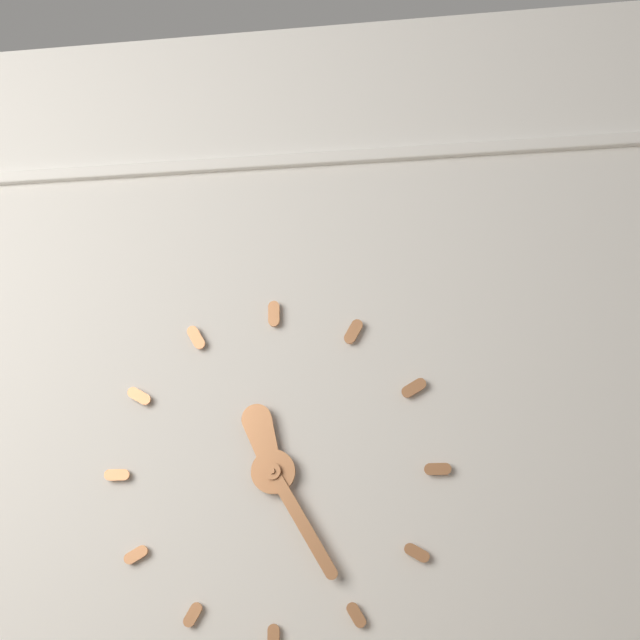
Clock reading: 11.25
